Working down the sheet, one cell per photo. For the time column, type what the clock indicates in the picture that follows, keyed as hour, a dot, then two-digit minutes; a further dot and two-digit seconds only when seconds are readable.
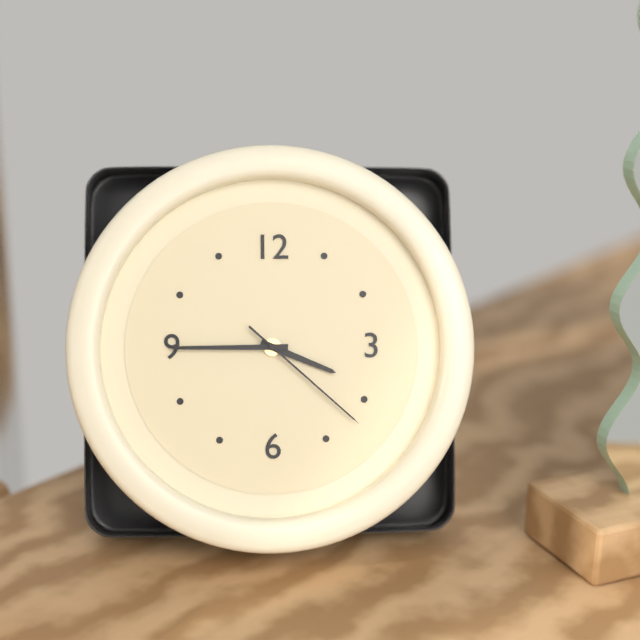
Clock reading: 3.45.22
